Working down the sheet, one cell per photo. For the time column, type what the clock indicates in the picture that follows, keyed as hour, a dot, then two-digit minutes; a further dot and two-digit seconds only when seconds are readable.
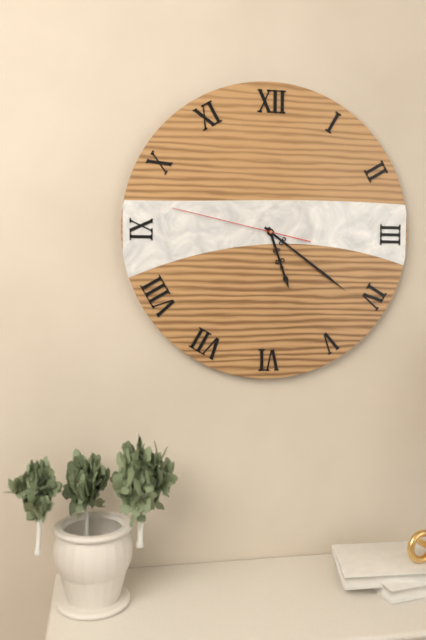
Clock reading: 5.21.47
